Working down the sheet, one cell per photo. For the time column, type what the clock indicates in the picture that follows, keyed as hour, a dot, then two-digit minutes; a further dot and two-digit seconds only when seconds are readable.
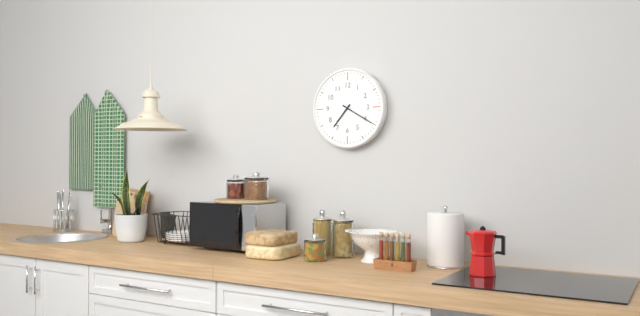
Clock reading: 7.20
